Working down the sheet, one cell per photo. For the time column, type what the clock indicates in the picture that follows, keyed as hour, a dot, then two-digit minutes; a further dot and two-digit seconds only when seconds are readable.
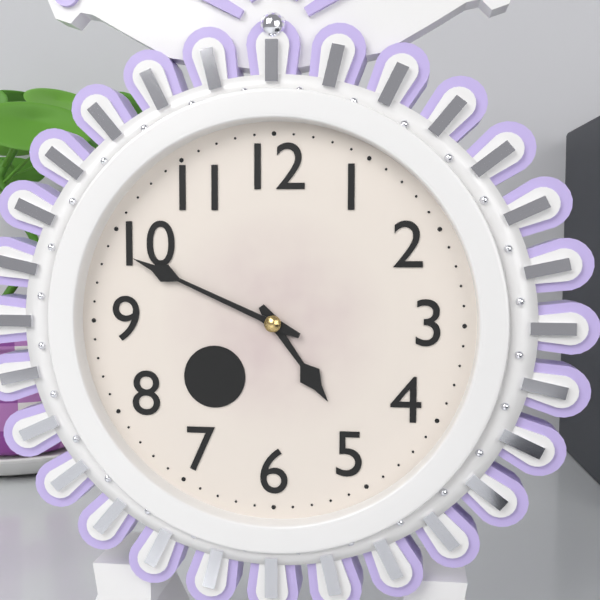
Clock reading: 4.49
